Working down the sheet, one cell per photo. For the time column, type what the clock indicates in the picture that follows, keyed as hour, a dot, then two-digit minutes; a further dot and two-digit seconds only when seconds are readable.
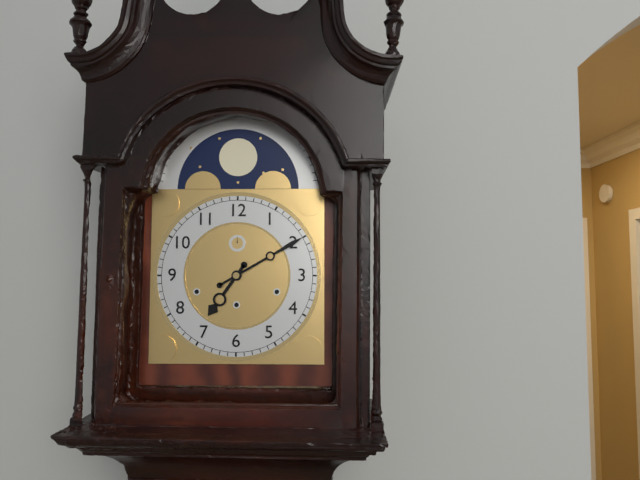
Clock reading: 7.10
